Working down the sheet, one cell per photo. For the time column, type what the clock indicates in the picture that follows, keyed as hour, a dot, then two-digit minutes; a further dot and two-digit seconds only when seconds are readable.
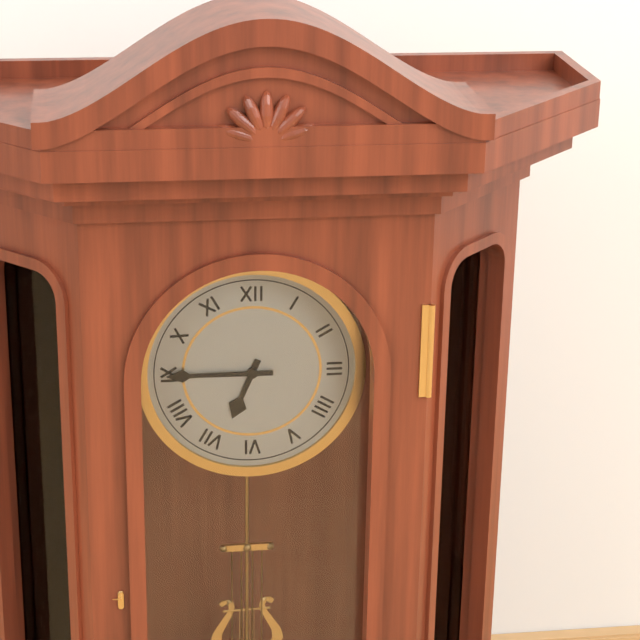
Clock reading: 6.45
